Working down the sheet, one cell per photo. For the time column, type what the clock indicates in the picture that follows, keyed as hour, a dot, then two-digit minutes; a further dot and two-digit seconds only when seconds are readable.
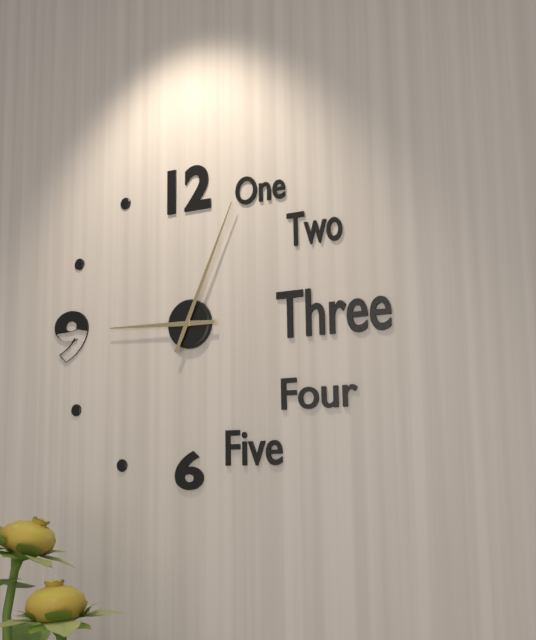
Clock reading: 9.04
